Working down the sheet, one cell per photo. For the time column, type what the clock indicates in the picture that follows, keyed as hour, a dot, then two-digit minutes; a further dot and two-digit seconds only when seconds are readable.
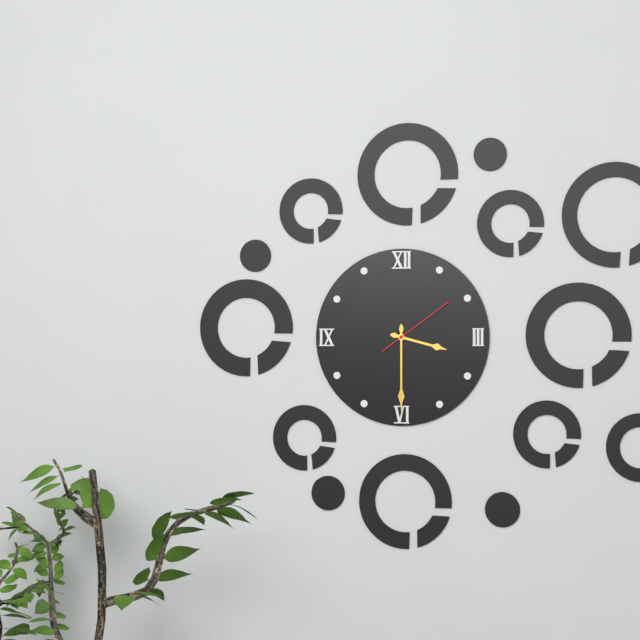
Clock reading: 3.30.09
